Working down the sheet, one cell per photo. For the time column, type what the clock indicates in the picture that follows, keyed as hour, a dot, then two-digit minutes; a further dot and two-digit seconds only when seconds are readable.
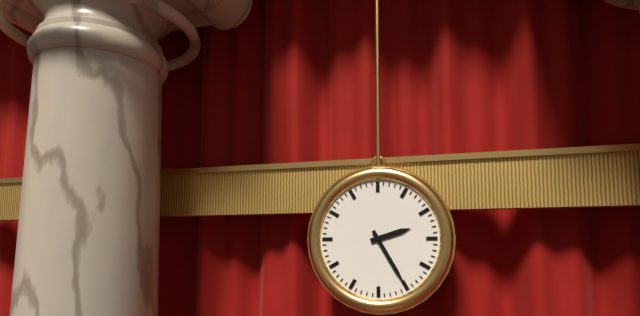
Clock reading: 2.25
